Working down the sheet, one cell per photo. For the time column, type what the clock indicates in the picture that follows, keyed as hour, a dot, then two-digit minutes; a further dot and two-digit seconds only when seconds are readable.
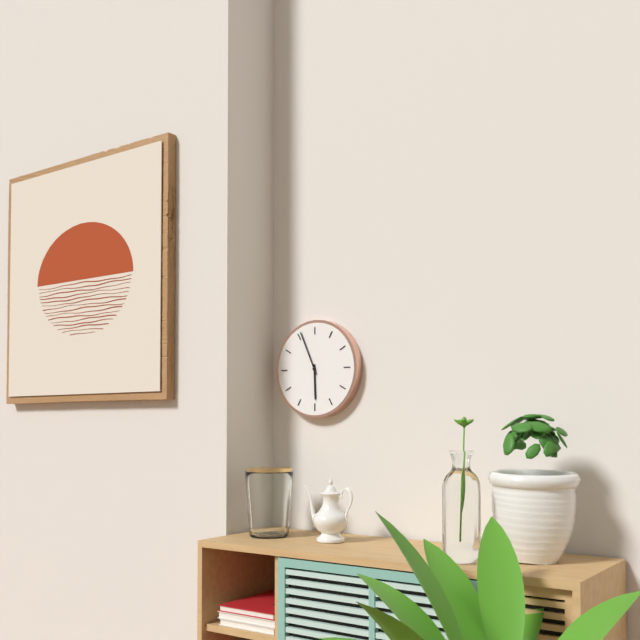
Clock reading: 5.56
